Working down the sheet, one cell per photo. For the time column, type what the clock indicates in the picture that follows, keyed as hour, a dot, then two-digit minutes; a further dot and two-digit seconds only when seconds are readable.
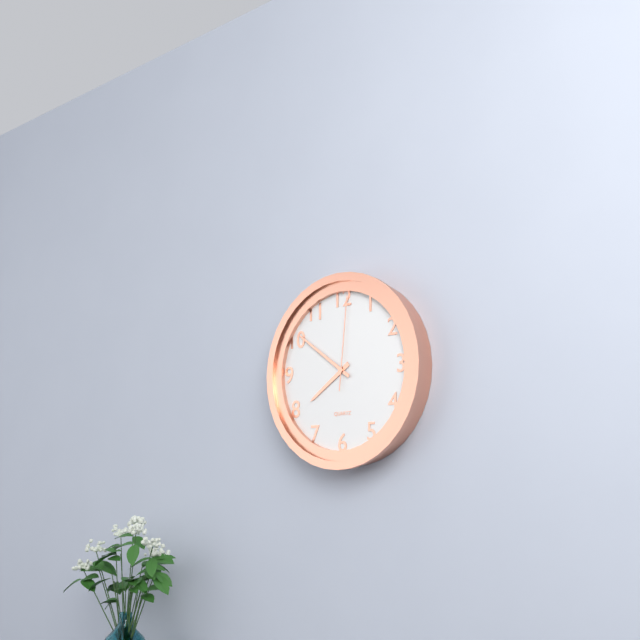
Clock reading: 7.51.01
